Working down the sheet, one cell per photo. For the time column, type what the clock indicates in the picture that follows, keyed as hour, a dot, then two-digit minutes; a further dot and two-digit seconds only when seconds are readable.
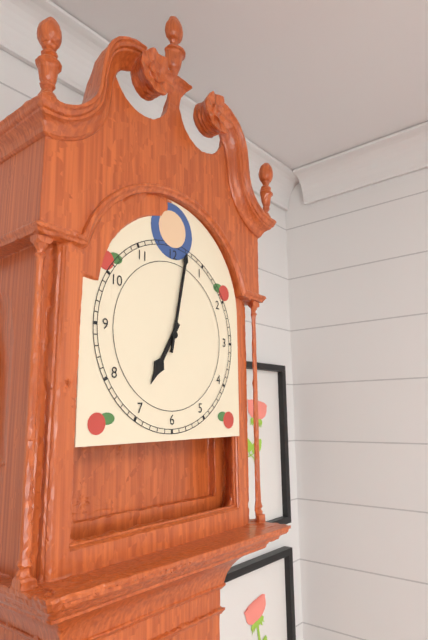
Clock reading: 7.02
